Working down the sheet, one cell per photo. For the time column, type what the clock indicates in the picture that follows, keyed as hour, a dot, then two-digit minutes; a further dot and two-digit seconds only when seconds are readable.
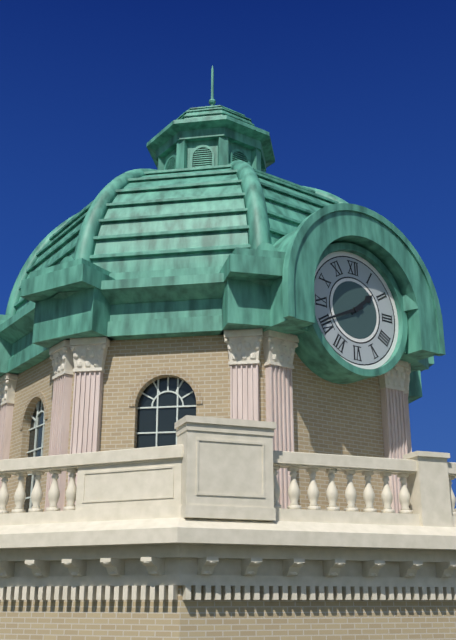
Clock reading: 1.41
